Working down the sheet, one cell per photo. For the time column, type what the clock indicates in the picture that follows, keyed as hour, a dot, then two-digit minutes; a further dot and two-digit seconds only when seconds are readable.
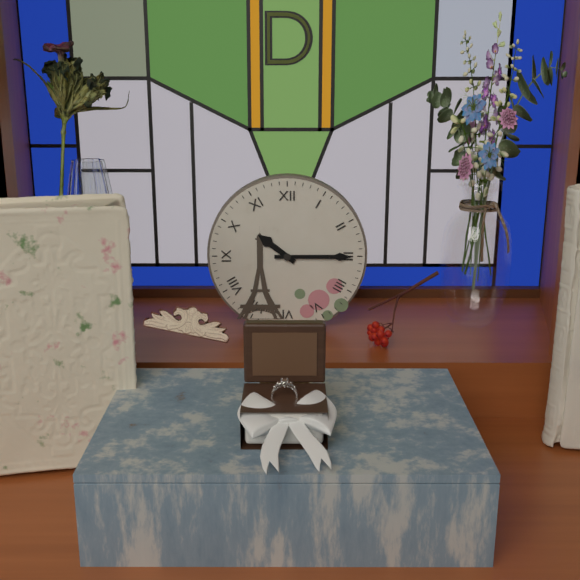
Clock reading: 10.15
